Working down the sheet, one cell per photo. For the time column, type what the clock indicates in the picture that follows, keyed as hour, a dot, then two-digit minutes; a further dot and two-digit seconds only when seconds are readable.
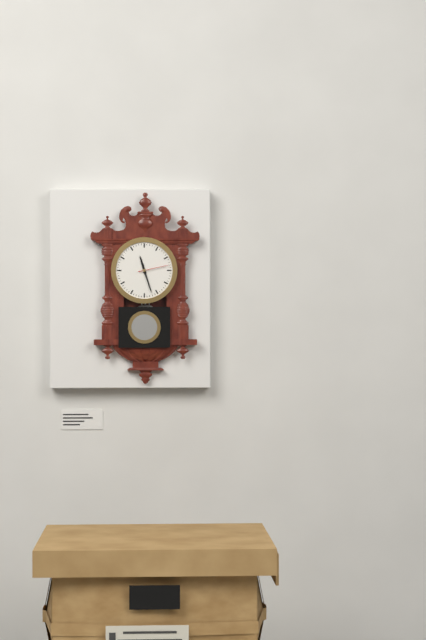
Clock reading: 11.27
